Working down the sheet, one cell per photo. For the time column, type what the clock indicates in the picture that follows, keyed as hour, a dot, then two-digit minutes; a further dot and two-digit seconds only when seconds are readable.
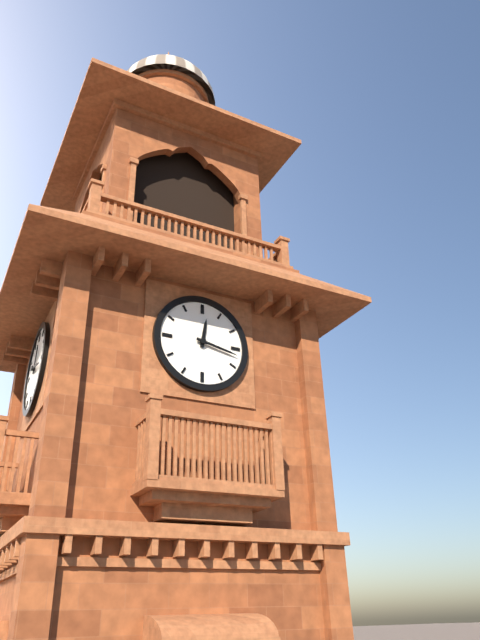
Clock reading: 12.17
